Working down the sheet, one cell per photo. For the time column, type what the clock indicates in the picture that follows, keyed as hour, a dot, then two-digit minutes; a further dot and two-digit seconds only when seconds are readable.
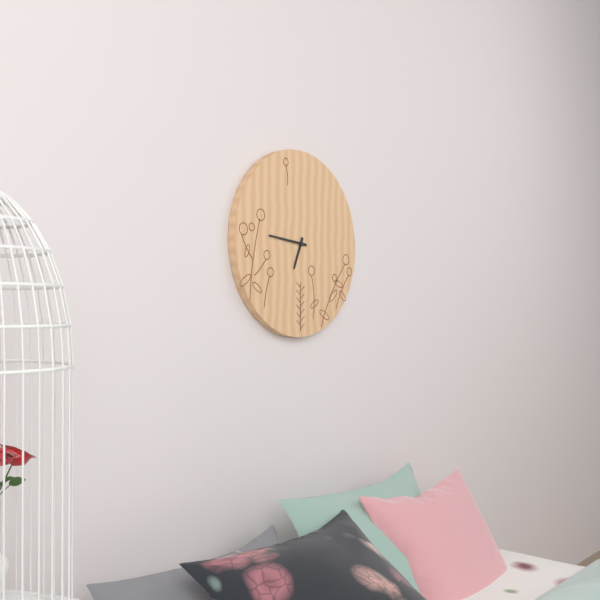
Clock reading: 6.46
